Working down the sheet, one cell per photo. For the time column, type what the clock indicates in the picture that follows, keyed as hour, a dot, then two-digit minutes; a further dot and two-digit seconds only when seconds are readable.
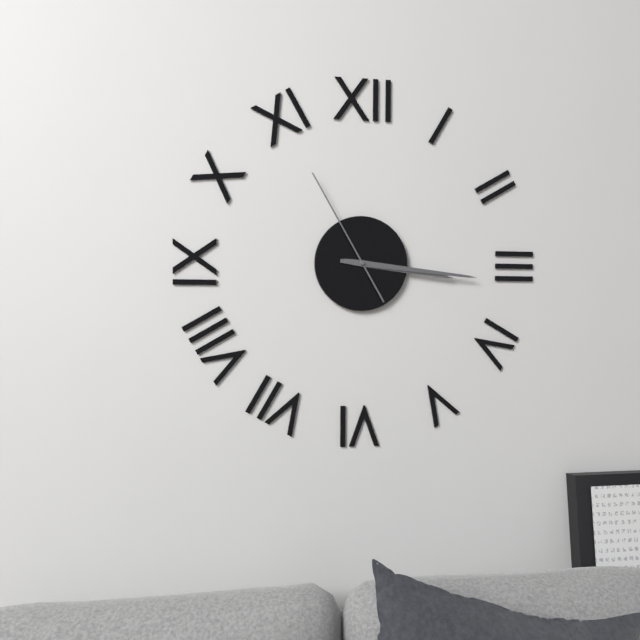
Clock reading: 3.16.55
